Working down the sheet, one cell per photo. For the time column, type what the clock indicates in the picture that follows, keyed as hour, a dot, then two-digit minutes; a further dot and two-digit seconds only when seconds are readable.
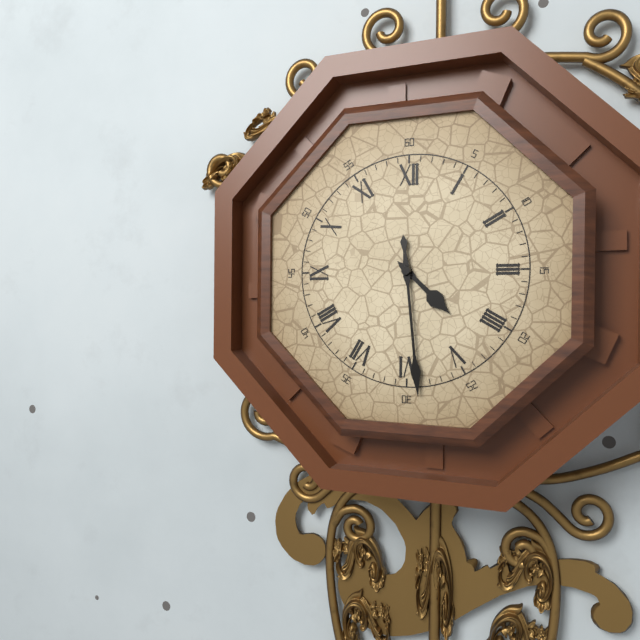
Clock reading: 4.29
